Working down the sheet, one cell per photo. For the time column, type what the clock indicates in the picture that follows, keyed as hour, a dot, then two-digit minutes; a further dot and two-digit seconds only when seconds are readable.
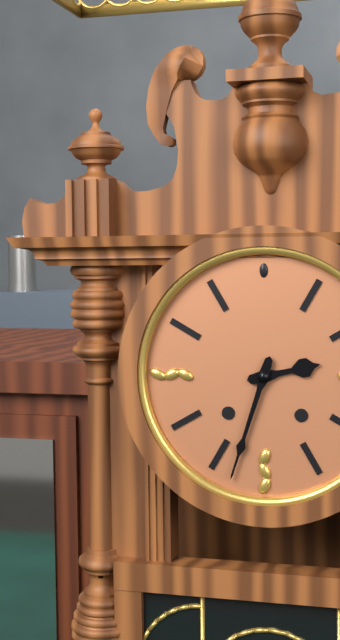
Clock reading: 2.33
